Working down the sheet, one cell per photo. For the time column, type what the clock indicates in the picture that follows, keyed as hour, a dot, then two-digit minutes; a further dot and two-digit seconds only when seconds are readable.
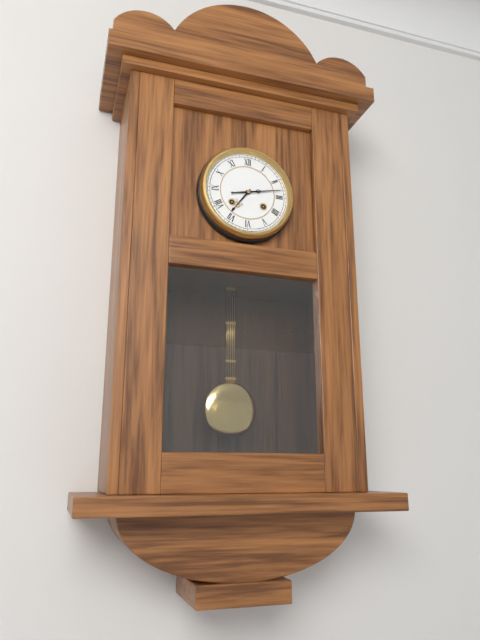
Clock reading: 7.13
